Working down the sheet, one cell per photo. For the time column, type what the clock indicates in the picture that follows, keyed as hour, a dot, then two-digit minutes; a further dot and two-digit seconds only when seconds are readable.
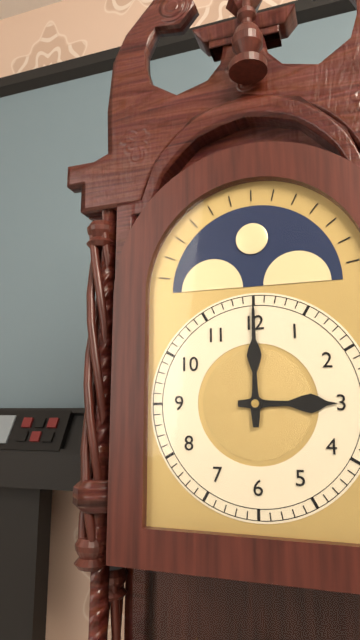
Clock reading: 3.00
